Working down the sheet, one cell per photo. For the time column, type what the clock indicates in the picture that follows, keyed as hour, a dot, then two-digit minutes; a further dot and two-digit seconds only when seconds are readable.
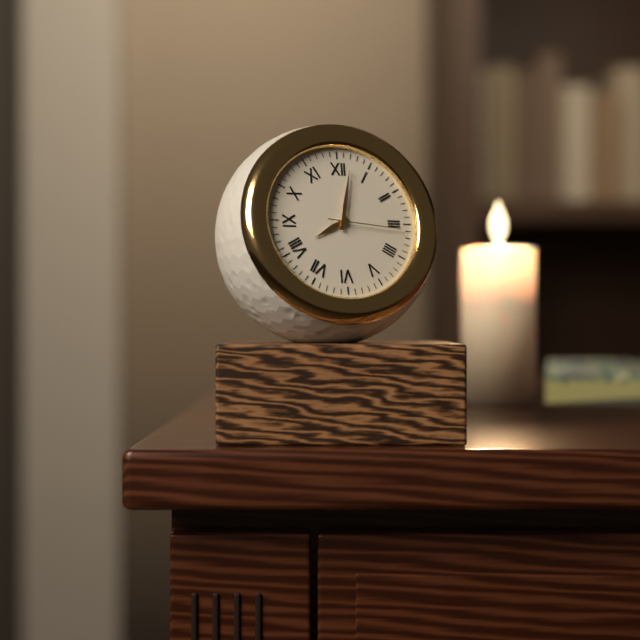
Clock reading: 8.02.16
